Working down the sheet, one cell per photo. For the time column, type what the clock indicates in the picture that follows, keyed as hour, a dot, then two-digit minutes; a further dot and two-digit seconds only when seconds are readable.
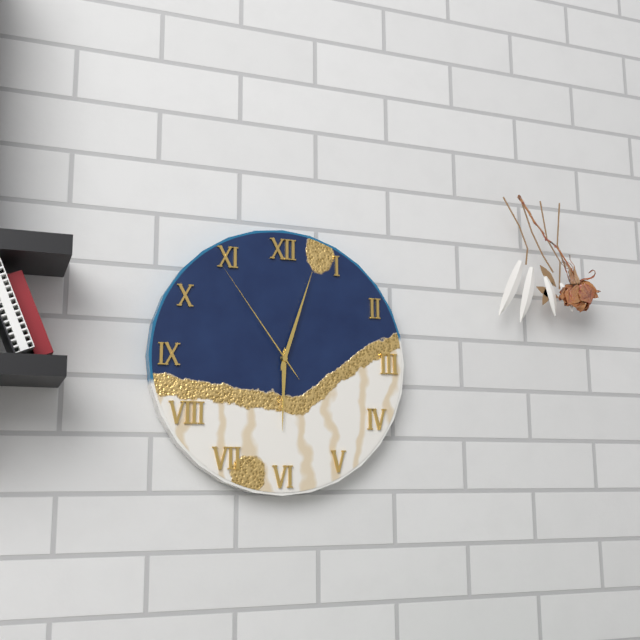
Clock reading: 6.03.54
